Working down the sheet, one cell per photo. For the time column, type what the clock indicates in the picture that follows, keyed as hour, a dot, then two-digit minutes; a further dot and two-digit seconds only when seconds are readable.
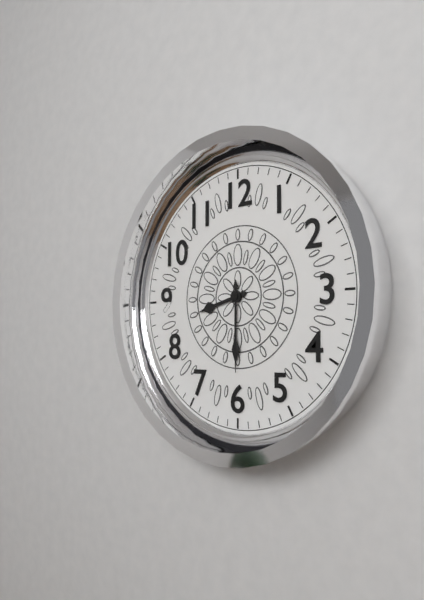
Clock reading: 8.30
